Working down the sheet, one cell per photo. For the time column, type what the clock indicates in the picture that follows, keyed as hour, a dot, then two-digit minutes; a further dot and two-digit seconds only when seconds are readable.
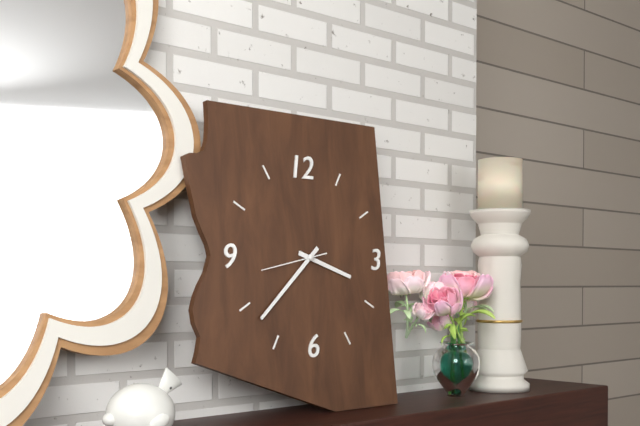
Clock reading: 3.38.43
